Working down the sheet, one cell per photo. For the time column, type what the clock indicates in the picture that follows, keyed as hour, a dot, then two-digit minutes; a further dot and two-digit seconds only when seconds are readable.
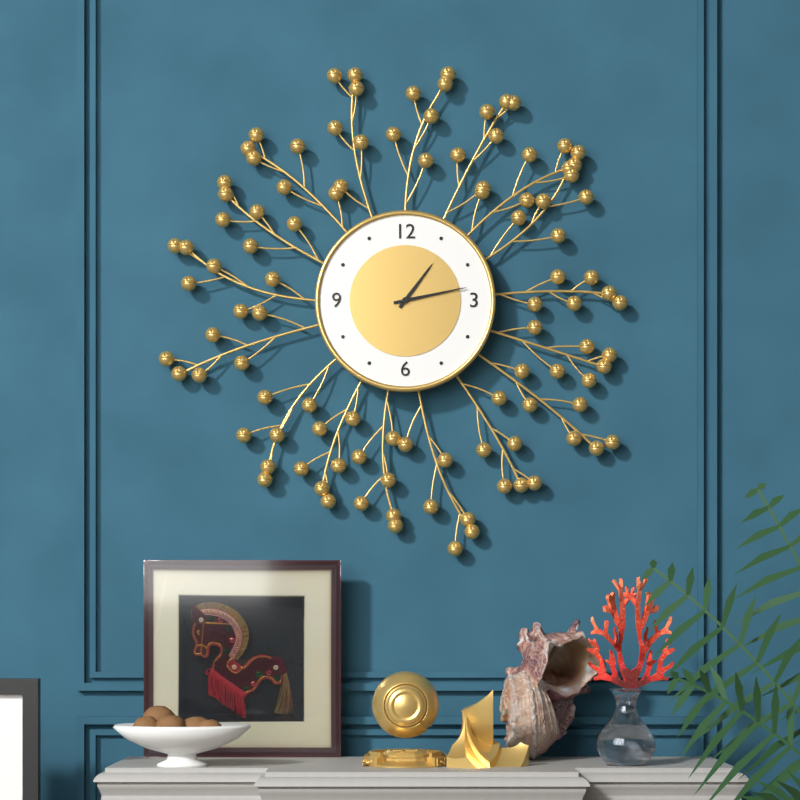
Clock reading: 1.13
